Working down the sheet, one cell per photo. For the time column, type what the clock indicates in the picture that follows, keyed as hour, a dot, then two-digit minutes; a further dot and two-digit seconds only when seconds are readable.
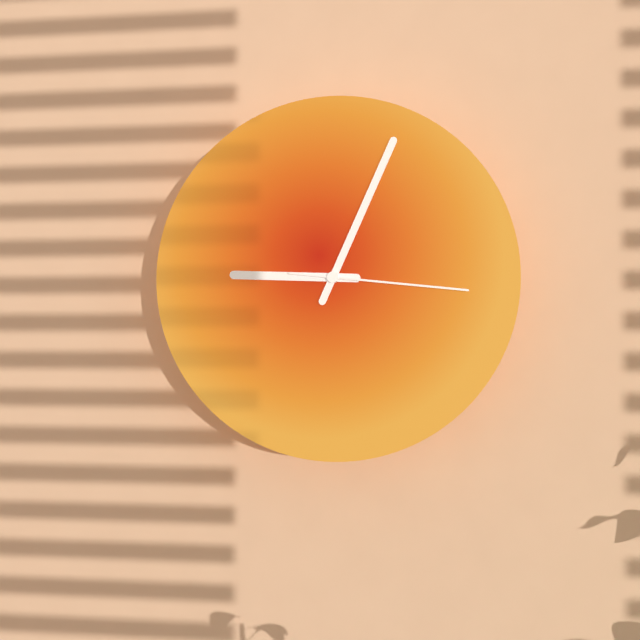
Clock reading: 9.04.16
